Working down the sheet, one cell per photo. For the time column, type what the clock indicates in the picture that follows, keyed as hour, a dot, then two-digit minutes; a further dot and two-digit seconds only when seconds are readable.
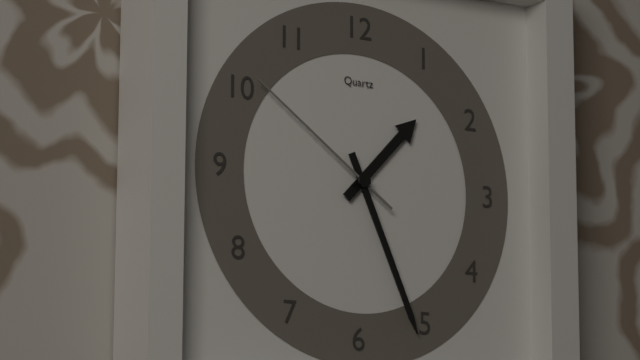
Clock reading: 1.26.51
